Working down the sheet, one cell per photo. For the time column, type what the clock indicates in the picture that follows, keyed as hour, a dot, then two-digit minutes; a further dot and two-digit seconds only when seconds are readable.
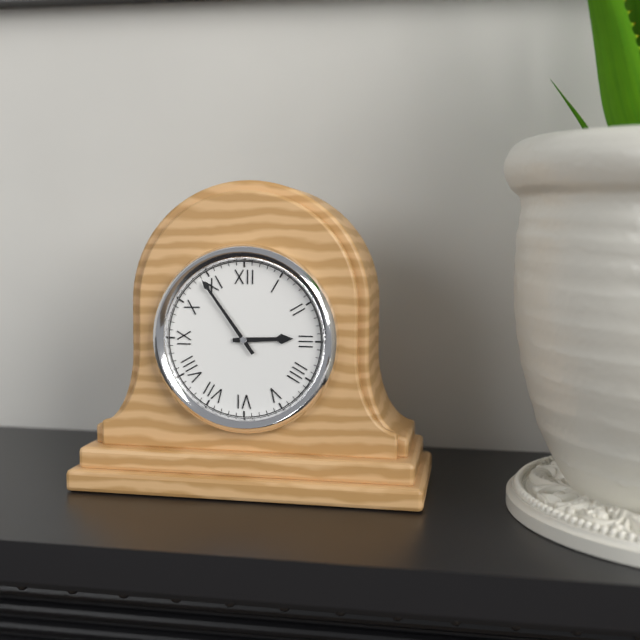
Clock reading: 2.54
